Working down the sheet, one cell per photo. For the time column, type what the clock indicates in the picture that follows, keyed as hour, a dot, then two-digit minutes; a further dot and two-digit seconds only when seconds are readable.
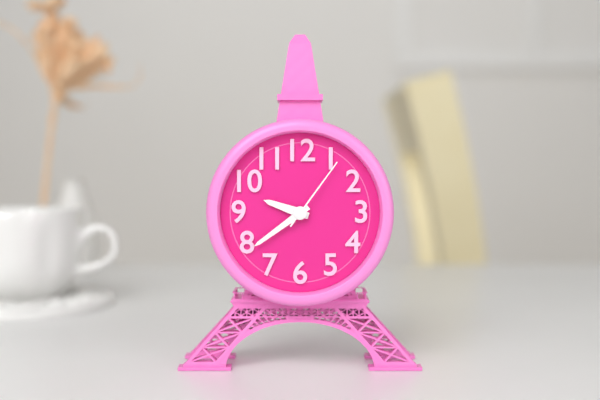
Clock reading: 9.39.06
